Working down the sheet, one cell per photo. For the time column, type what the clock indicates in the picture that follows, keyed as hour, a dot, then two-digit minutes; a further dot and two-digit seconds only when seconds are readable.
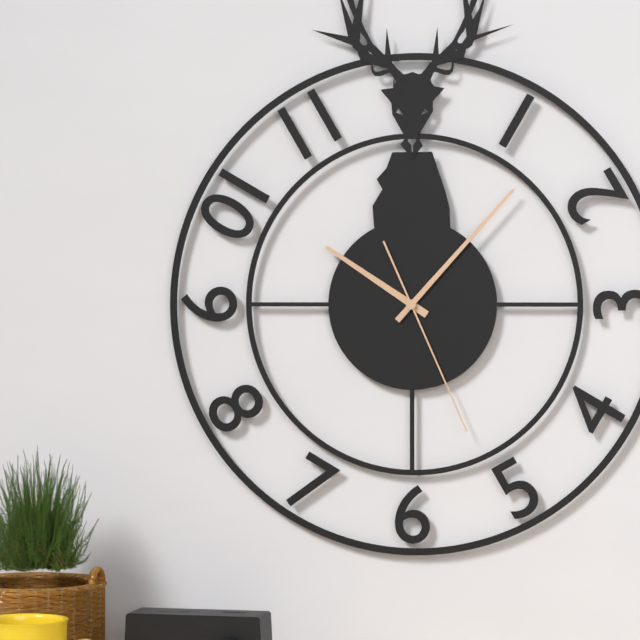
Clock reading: 10.07.26
